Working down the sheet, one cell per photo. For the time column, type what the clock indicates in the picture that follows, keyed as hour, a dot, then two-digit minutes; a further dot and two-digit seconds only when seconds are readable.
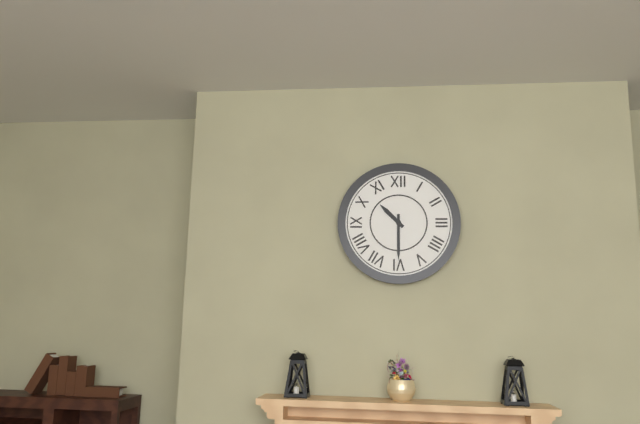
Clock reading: 10.30
